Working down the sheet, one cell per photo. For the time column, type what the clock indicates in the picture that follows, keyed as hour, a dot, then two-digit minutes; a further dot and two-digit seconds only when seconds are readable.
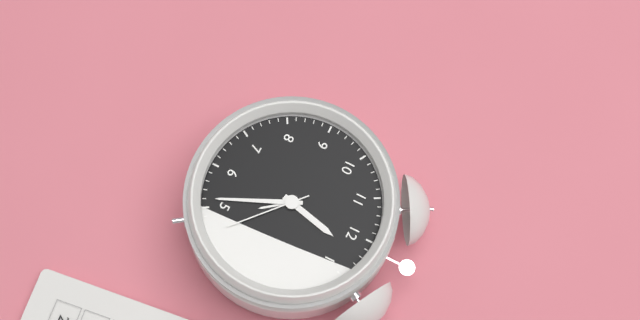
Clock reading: 12.26.22
